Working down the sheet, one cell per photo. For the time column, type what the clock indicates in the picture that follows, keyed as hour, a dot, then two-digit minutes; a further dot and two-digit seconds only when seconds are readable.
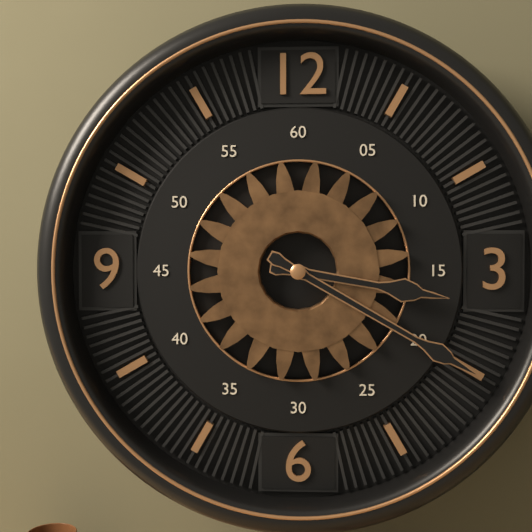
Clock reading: 3.20
